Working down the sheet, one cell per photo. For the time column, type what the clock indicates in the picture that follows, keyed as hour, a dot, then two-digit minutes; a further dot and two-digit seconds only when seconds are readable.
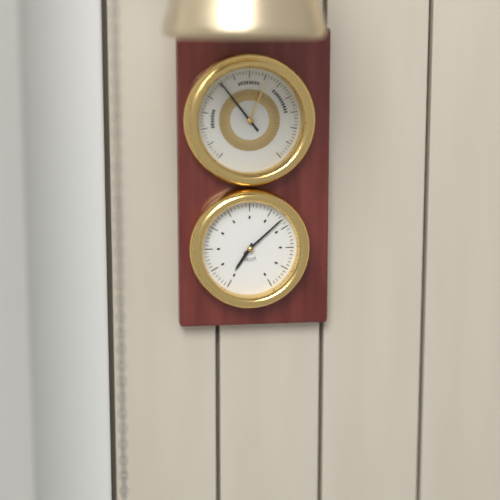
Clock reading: 7.08
